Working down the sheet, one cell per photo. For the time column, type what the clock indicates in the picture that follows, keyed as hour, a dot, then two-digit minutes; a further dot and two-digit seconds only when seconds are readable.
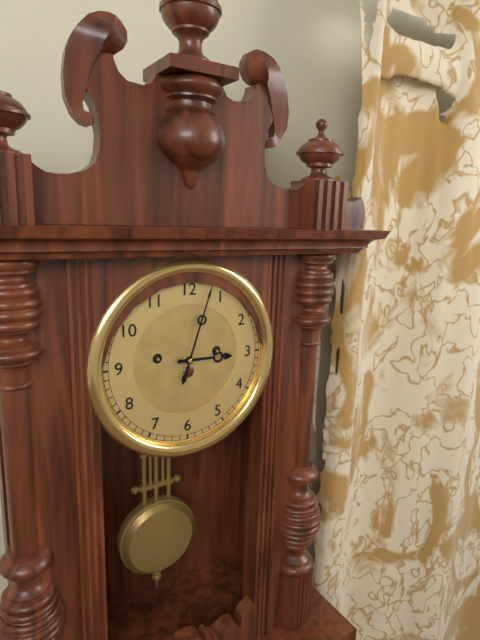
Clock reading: 3.03
